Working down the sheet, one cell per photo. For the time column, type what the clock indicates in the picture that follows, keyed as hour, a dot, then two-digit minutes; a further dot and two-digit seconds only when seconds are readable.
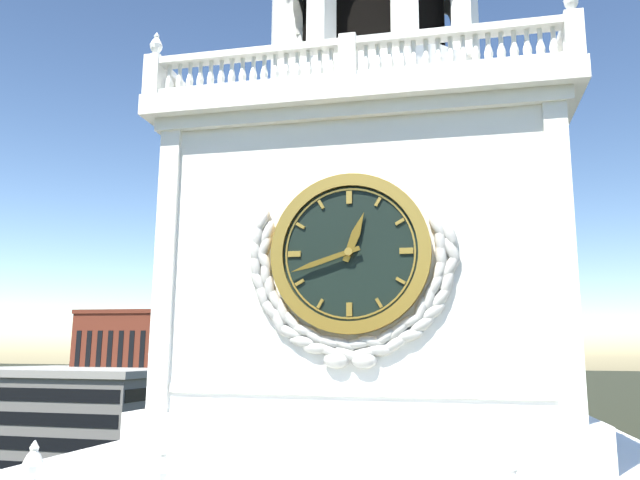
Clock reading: 12.42
